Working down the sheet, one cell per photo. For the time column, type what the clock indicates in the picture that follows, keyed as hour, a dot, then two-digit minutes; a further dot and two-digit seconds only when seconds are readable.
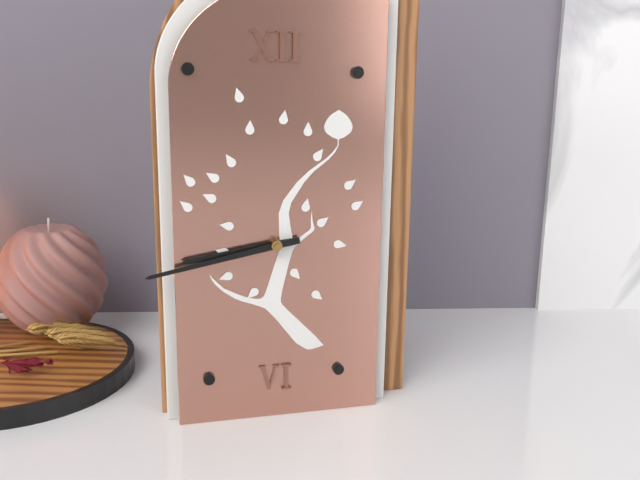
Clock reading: 8.43
